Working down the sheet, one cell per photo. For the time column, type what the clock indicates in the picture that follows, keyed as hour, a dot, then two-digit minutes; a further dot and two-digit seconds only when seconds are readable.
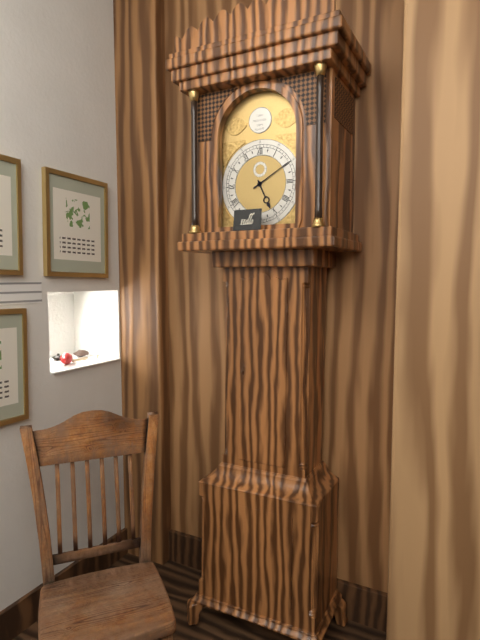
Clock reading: 5.10
